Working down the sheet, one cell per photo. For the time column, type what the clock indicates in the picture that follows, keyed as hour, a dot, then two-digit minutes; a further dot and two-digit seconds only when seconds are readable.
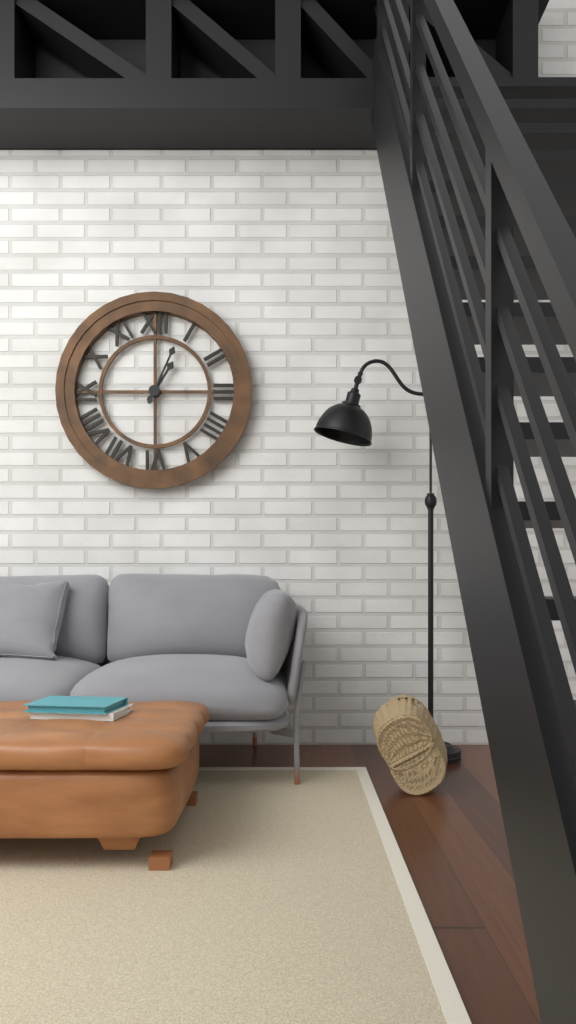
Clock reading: 1.04
